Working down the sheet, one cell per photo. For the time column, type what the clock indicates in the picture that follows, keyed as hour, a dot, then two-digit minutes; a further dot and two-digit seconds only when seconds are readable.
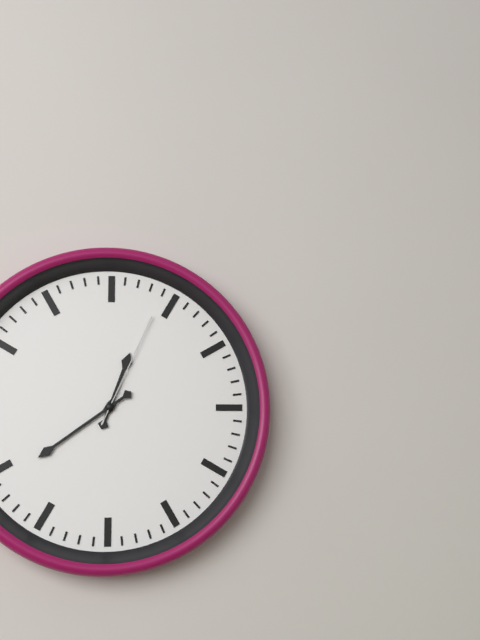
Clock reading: 12.39.04
